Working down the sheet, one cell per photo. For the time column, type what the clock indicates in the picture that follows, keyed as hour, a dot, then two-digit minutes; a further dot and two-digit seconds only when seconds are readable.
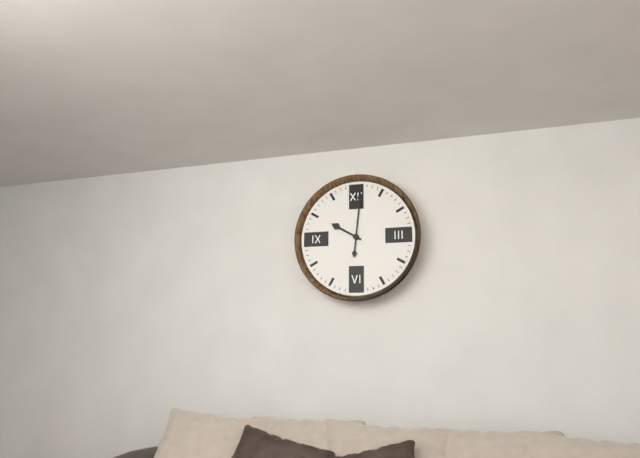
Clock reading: 10.01
